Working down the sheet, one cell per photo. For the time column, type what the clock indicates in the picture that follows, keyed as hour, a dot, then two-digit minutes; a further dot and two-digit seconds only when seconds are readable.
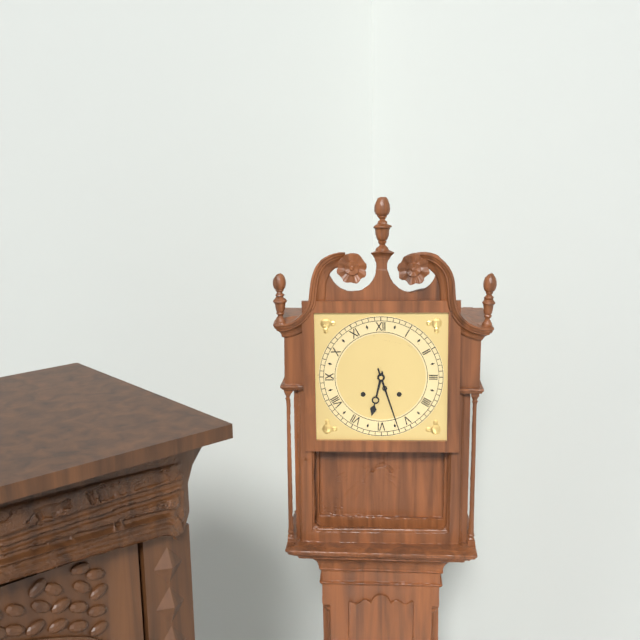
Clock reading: 6.27
